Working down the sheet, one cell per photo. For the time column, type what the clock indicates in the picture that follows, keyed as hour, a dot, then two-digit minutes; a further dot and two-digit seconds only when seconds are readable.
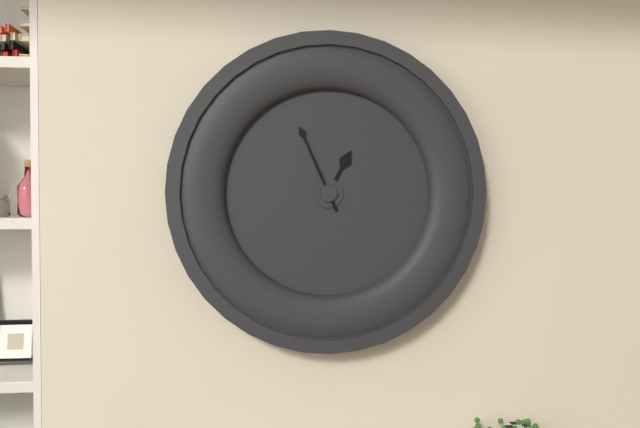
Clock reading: 12.56
